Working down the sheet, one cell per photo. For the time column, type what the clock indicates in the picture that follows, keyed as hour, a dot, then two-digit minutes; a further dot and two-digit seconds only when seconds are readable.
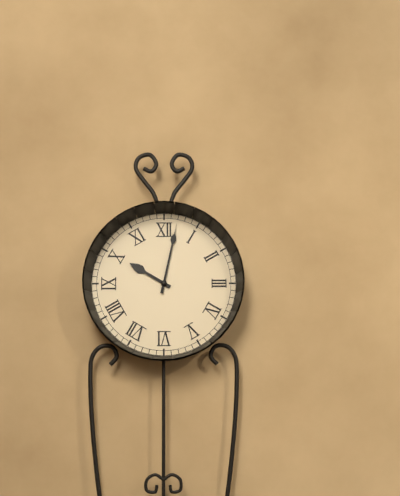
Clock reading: 10.02
